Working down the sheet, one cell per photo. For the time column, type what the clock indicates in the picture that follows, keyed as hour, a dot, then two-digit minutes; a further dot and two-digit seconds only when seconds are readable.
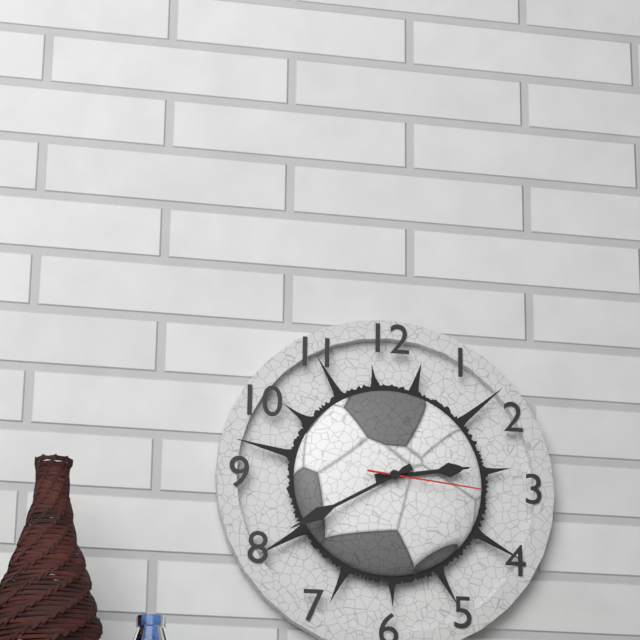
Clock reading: 2.40.16
